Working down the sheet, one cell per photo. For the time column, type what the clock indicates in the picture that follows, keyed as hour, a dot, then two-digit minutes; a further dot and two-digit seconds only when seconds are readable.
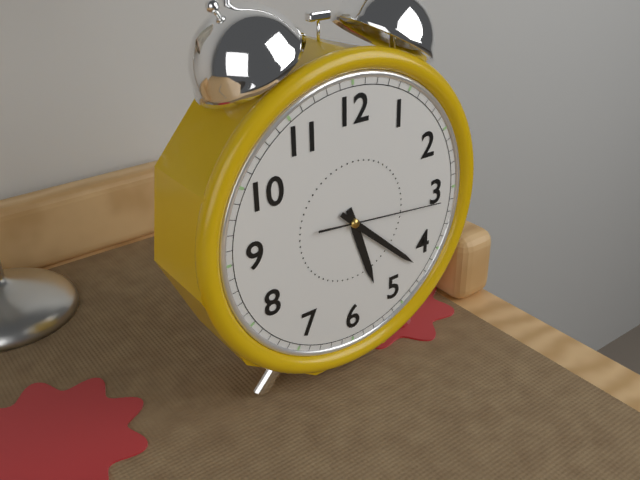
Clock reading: 5.22.16
